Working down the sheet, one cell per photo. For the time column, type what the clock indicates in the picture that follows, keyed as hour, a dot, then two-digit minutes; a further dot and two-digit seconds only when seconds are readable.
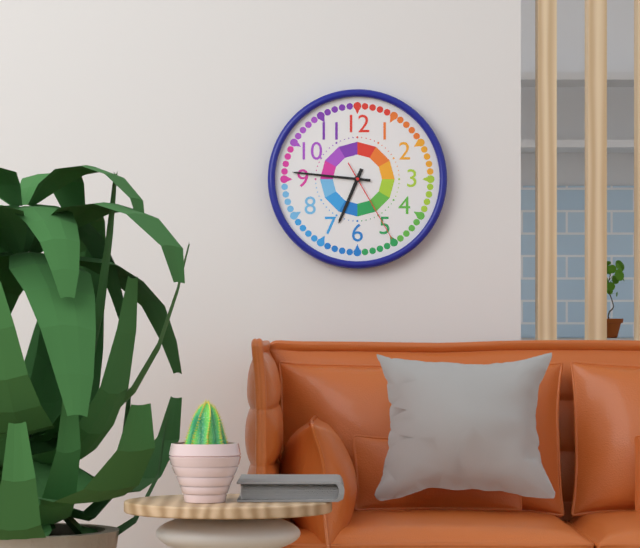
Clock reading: 6.46.25
